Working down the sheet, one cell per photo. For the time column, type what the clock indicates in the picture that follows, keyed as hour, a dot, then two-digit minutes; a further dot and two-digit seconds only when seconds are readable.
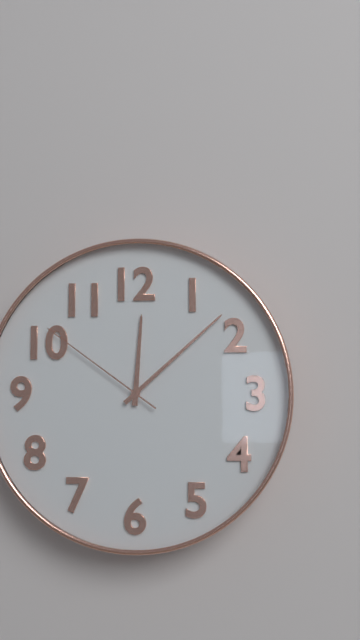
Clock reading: 12.08.51
